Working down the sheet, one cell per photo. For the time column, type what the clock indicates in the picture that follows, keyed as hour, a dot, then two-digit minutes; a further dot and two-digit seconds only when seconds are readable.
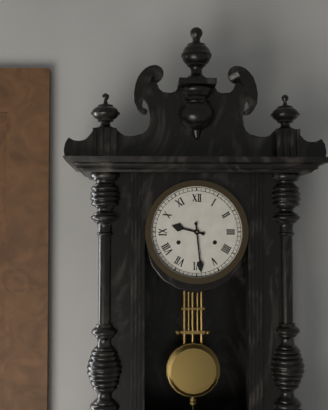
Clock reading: 9.29
